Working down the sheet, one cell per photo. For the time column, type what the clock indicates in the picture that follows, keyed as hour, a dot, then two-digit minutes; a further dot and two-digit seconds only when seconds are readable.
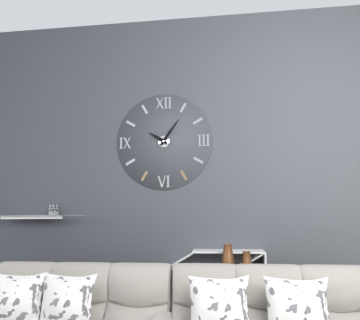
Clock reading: 10.06
